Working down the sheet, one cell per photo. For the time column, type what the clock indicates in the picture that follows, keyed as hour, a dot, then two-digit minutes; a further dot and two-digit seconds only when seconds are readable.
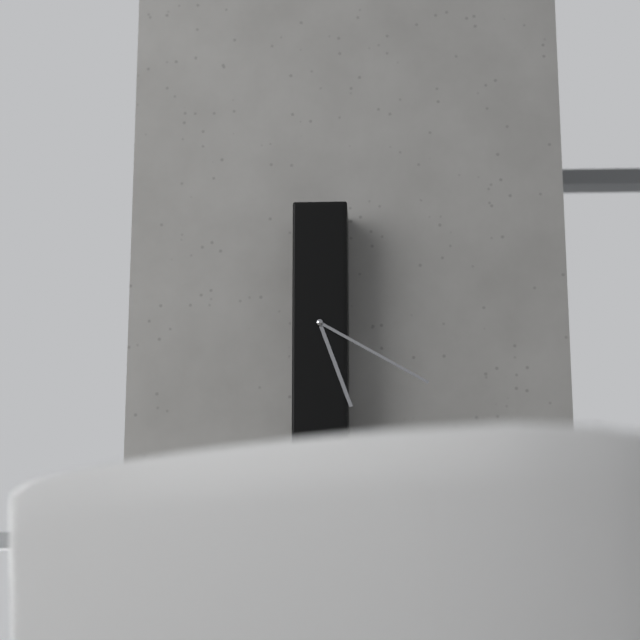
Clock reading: 5.20
